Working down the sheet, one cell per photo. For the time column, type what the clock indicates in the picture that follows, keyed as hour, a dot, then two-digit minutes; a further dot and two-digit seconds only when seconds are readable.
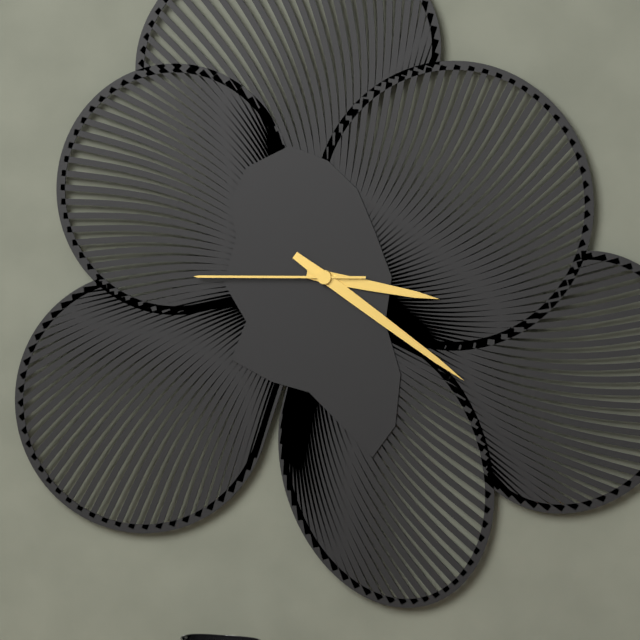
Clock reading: 3.21.45
